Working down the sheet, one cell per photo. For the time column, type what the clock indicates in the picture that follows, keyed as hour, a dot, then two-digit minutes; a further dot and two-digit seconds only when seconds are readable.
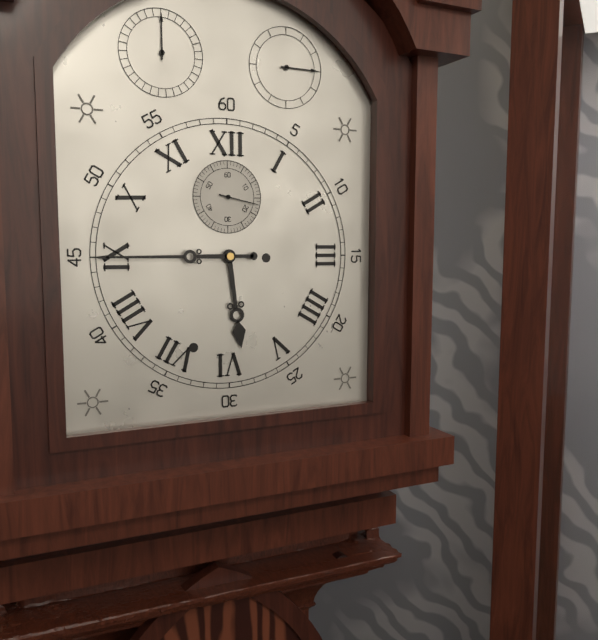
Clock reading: 5.45
